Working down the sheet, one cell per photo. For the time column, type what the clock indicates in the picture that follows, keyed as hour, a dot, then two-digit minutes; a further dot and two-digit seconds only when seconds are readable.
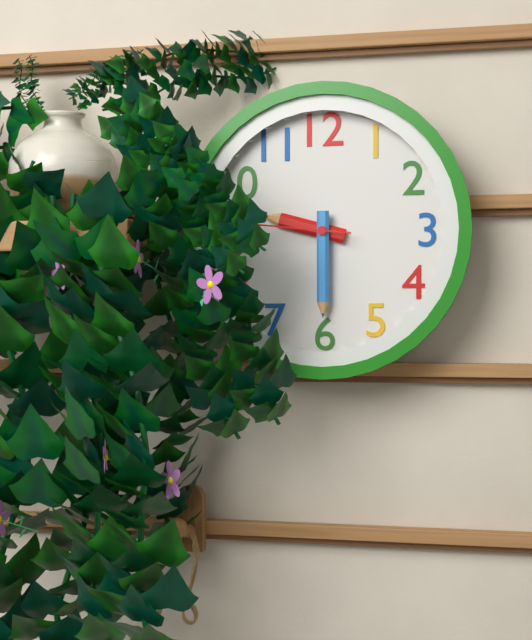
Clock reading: 9.30
